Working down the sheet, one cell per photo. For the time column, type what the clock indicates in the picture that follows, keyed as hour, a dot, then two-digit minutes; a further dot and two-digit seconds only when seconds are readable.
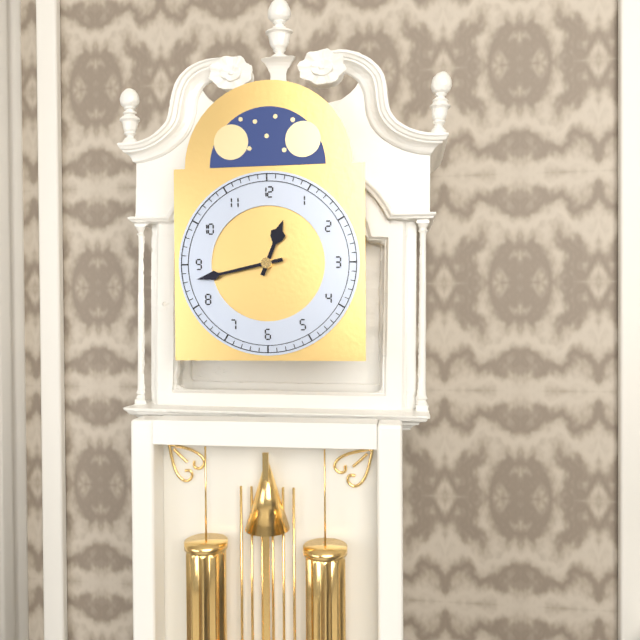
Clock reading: 12.43
